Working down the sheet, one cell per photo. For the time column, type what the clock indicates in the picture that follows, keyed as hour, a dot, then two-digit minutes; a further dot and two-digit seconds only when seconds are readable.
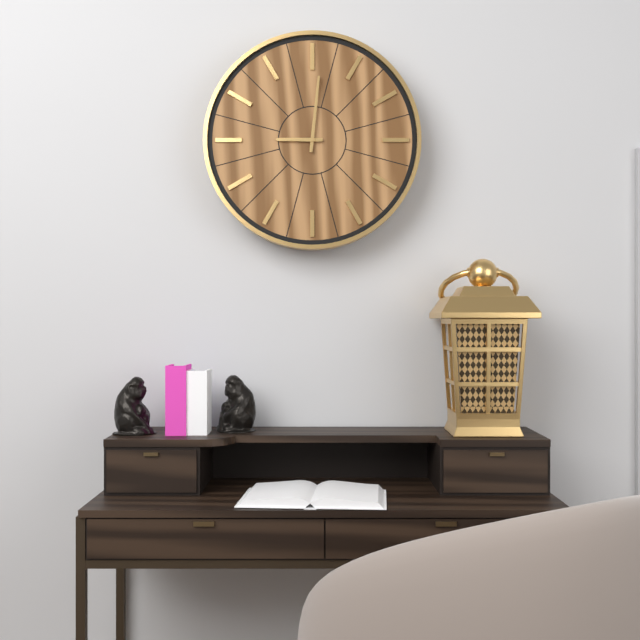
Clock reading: 9.01
